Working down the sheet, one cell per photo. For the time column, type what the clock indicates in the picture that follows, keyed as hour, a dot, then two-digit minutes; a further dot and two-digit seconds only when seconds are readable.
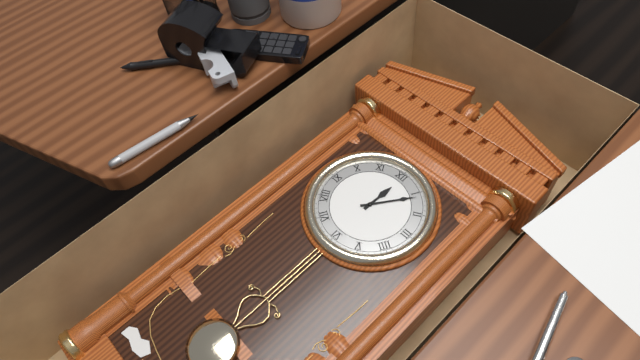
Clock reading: 12.06
